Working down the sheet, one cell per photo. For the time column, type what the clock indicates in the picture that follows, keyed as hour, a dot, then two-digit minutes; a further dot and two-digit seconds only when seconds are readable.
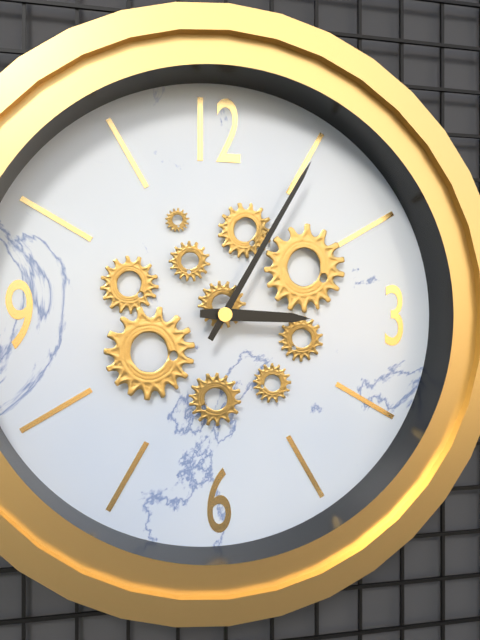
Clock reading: 3.05
